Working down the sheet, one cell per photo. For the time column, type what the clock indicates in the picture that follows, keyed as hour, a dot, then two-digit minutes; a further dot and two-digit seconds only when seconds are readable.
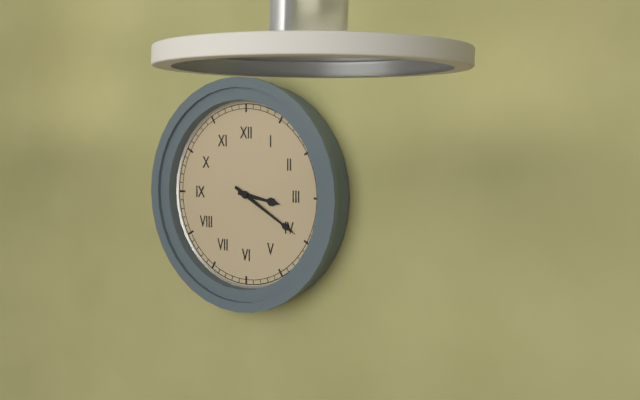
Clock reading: 3.20
